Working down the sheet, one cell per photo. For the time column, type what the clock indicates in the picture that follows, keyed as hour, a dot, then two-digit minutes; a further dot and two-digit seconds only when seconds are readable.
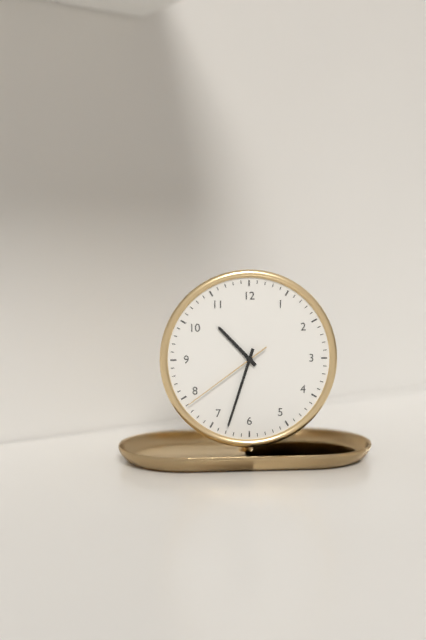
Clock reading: 10.33.39
